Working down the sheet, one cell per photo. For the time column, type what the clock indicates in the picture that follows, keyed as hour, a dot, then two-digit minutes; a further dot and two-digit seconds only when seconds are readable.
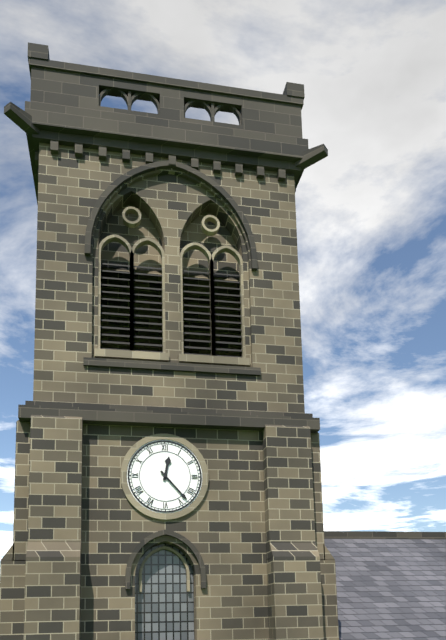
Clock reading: 12.23
